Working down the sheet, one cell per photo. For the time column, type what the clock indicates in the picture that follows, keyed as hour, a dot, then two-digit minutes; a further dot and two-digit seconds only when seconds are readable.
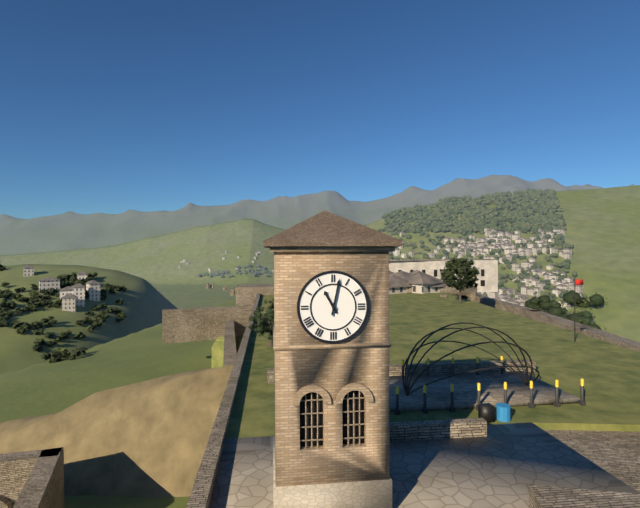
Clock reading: 11.02
